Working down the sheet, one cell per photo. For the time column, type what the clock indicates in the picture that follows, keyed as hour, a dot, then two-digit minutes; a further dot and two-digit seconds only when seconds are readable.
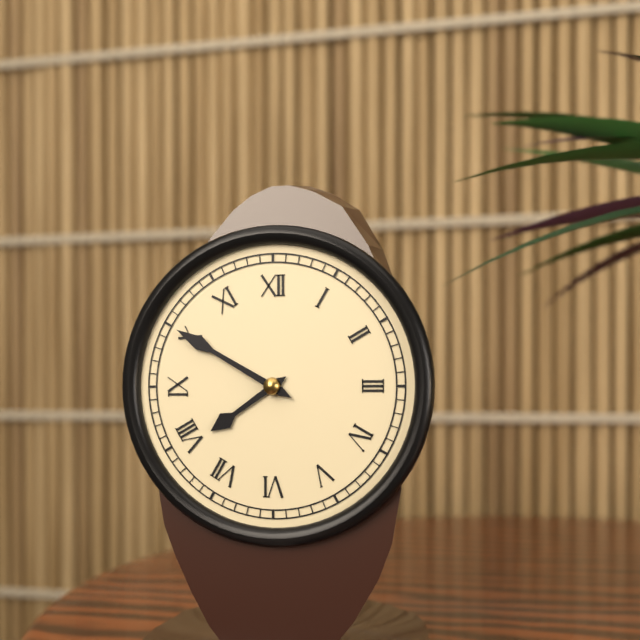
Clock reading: 7.50
